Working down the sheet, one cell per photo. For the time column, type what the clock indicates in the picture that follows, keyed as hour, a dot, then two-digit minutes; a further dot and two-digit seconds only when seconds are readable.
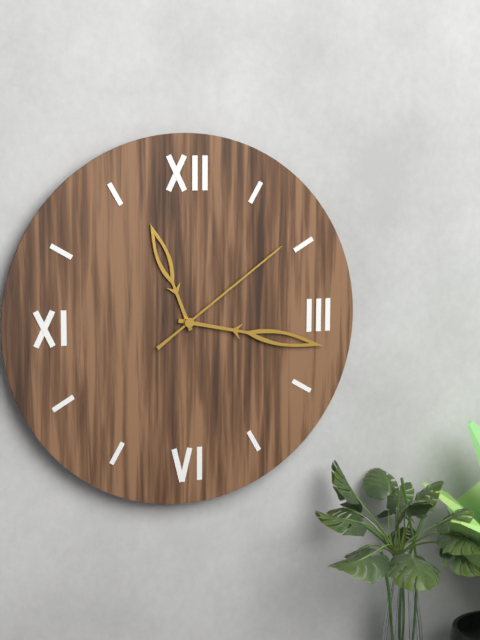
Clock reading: 11.17.09
